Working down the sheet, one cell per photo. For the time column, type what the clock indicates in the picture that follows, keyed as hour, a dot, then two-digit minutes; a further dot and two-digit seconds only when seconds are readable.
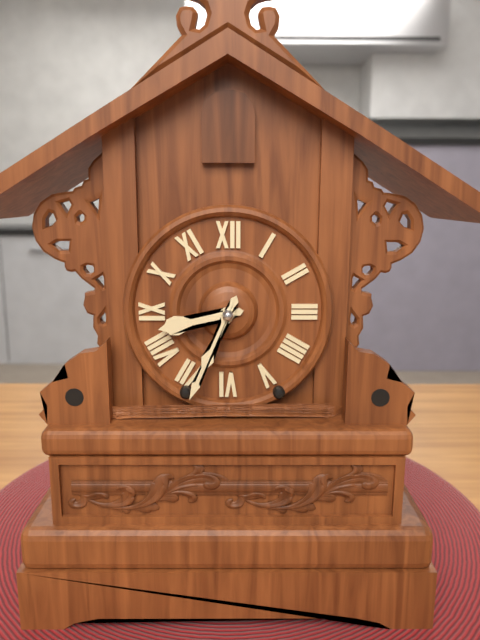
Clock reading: 8.34
